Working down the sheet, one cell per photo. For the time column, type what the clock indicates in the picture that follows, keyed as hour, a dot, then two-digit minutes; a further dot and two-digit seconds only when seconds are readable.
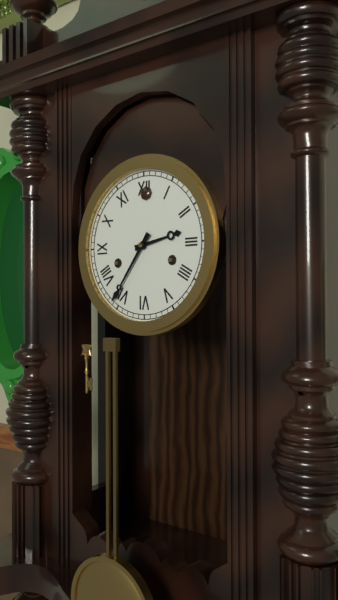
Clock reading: 2.36
